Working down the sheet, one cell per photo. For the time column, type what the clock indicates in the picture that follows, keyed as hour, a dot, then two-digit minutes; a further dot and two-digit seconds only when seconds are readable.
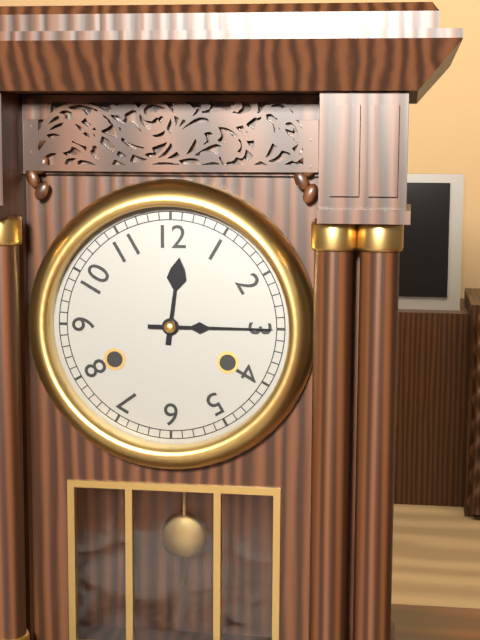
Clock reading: 12.15
